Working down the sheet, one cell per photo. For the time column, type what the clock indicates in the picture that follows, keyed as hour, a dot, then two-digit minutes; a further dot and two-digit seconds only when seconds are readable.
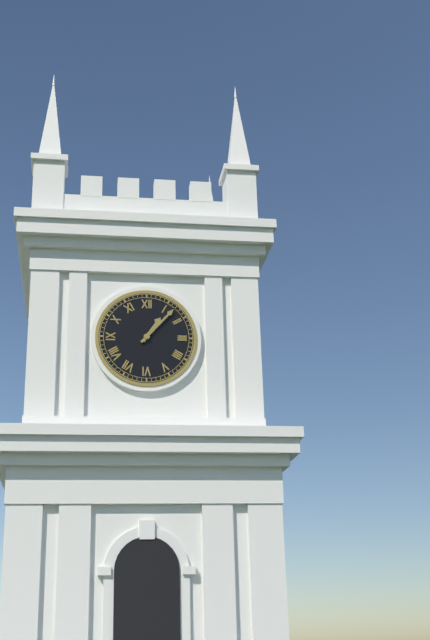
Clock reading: 1.07
